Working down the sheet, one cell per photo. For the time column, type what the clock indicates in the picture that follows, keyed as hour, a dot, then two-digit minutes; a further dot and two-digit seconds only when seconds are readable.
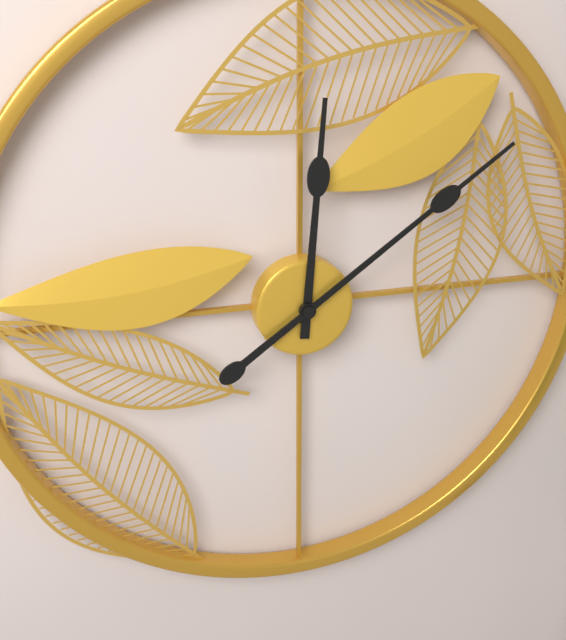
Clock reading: 12.09
